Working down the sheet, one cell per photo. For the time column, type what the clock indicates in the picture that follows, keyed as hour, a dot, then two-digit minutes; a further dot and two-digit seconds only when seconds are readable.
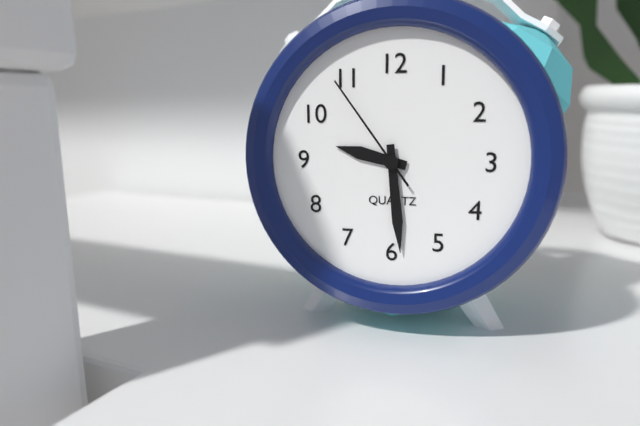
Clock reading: 9.29.54
